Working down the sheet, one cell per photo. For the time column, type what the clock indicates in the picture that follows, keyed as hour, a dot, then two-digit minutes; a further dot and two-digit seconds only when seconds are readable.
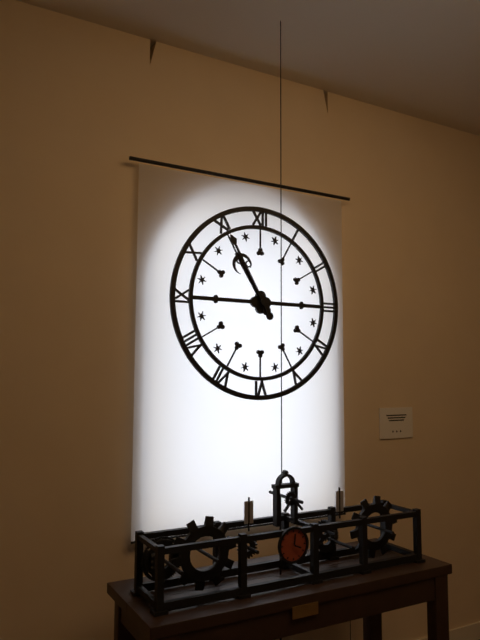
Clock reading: 10.55
